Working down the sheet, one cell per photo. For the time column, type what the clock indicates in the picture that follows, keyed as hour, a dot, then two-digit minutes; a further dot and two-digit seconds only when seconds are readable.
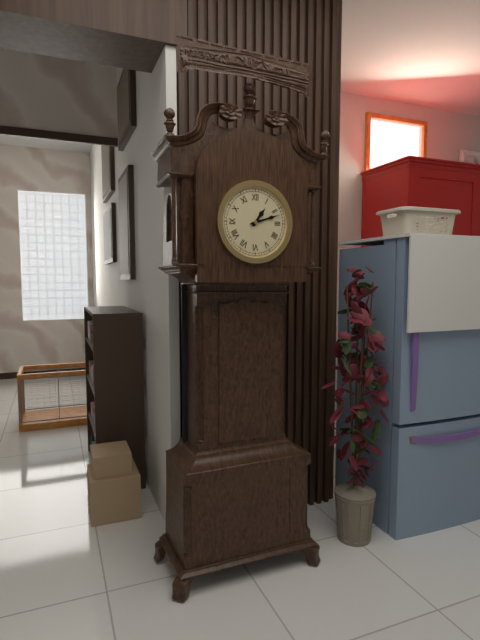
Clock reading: 1.12
